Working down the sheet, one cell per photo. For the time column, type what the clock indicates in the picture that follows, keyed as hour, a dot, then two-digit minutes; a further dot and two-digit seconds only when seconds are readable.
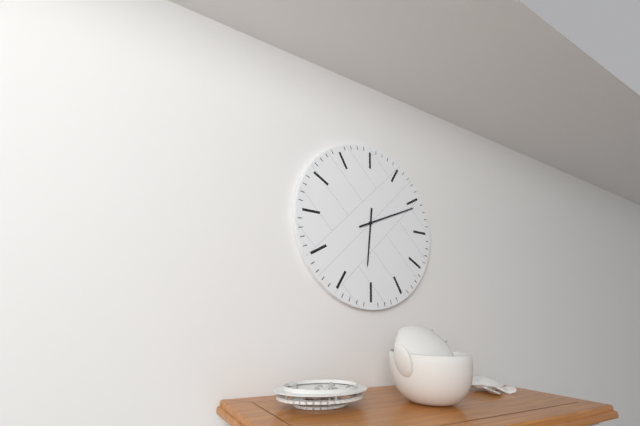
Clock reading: 6.11
